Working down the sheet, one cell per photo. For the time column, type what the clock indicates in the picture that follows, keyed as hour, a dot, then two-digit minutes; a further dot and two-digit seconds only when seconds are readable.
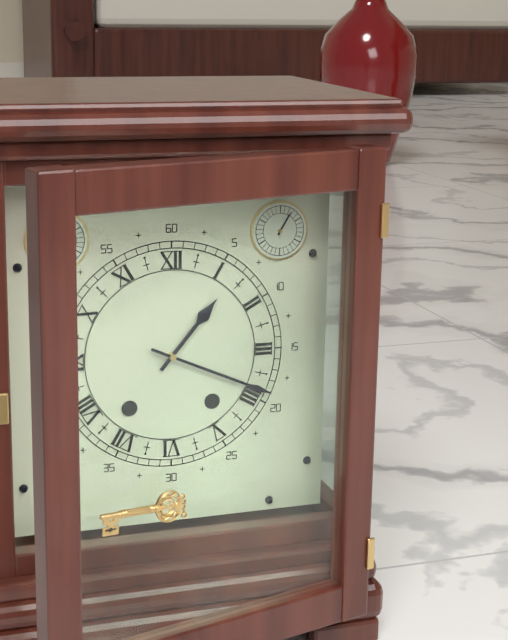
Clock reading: 1.19
